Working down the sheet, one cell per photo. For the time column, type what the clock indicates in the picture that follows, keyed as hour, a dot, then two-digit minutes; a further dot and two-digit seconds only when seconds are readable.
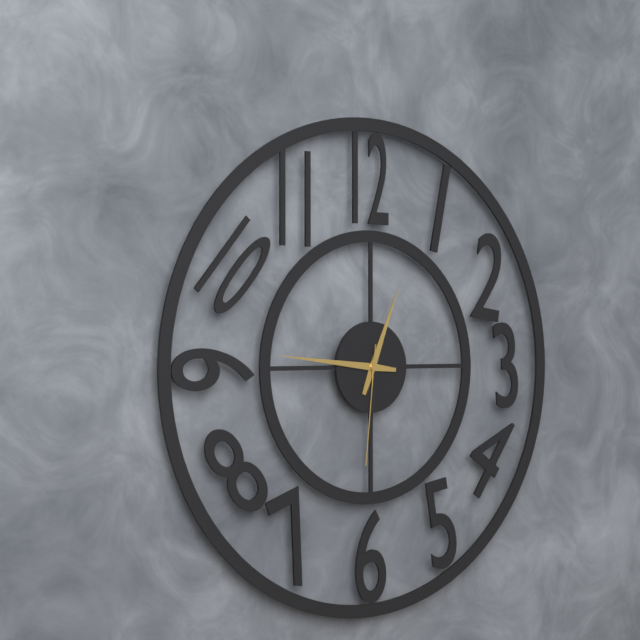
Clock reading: 12.46.31
